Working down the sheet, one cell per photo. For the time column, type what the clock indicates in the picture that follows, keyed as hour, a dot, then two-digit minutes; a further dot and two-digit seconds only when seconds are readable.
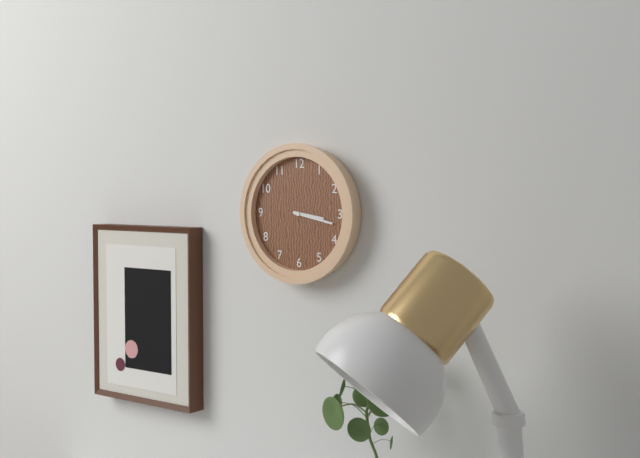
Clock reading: 3.17
